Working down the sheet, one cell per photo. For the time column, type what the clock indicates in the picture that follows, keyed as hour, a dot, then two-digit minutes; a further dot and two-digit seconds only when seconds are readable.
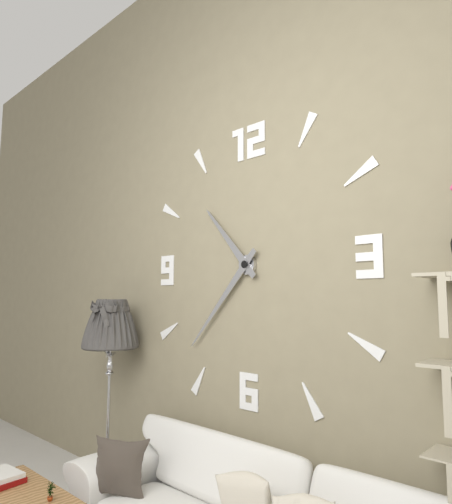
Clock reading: 10.37
